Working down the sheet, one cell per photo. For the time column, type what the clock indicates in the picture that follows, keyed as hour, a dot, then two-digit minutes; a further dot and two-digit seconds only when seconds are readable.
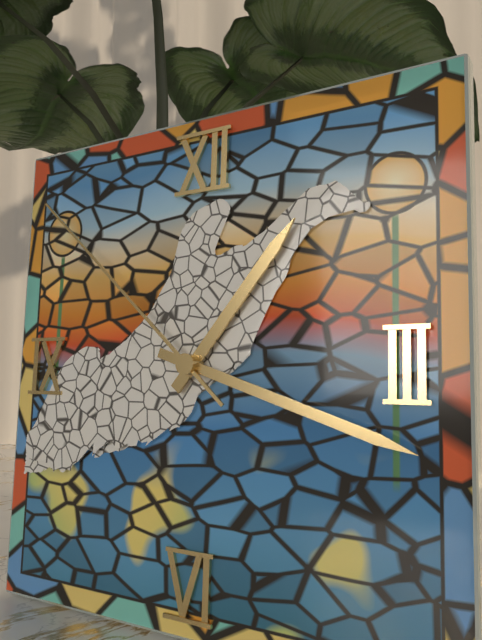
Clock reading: 1.18.52
